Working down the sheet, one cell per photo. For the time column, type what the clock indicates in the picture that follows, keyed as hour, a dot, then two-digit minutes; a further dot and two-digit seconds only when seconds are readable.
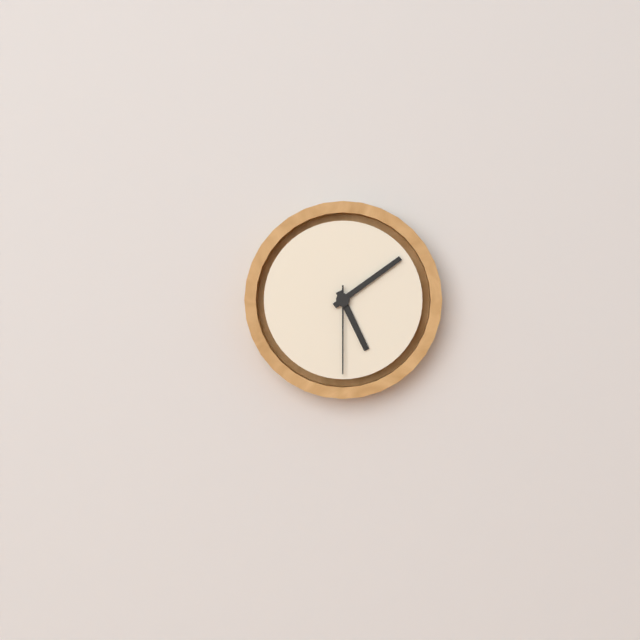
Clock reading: 5.09.30
